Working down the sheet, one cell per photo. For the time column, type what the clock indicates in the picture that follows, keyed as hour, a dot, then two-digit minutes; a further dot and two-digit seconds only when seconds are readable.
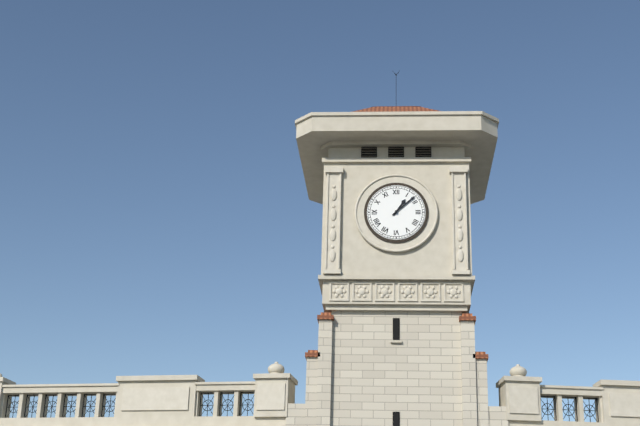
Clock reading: 1.08
